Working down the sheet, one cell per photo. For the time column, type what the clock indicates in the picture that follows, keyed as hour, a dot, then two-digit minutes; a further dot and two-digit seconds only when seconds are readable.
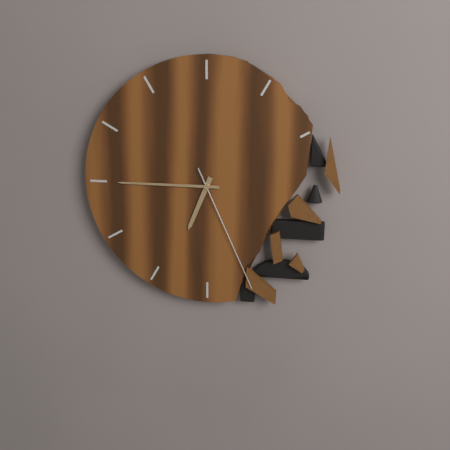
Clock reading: 6.45.26
